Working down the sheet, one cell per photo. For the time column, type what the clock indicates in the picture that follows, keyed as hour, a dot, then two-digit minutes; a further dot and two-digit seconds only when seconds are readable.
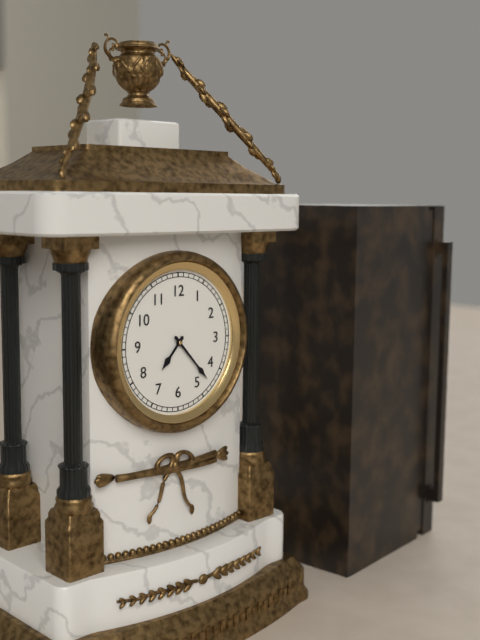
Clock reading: 7.23
